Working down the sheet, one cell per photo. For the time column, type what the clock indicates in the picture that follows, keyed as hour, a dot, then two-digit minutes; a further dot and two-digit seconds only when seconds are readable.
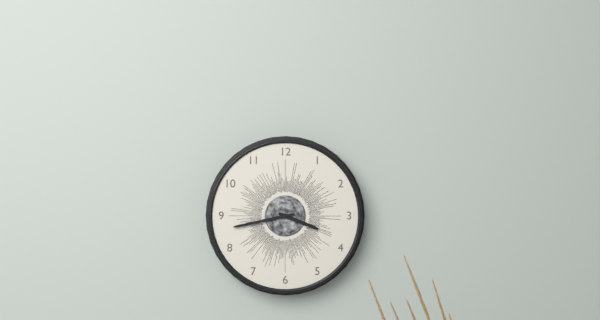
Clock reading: 3.43
